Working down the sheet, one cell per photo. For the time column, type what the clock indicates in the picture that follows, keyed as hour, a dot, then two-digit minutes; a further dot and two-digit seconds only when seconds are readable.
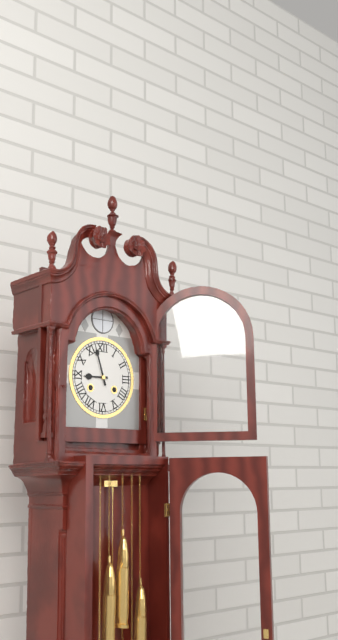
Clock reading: 8.57
